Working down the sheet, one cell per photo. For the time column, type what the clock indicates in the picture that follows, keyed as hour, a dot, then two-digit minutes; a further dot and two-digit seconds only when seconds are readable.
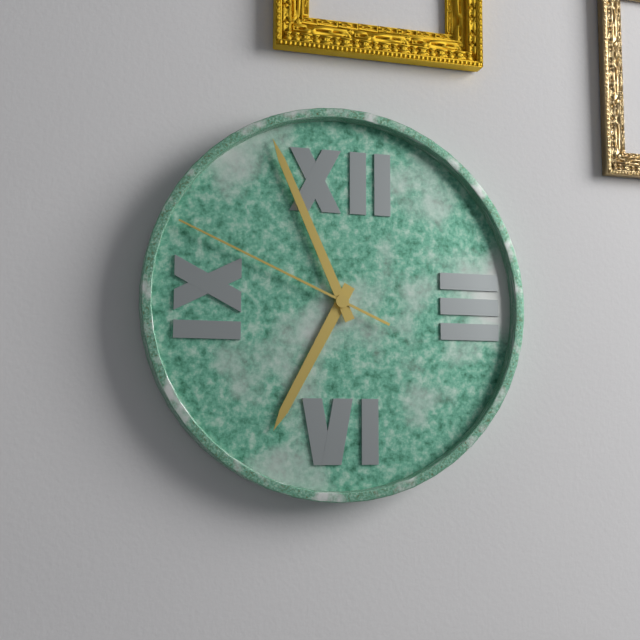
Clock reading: 6.56.49
